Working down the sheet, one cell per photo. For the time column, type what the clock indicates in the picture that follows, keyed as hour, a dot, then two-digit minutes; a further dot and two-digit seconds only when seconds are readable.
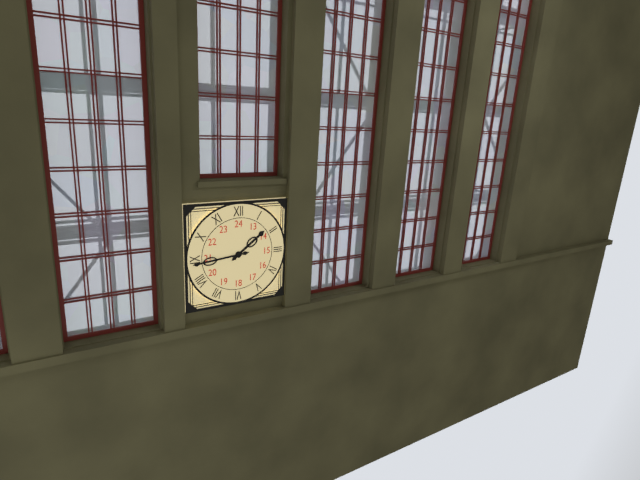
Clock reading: 1.44
